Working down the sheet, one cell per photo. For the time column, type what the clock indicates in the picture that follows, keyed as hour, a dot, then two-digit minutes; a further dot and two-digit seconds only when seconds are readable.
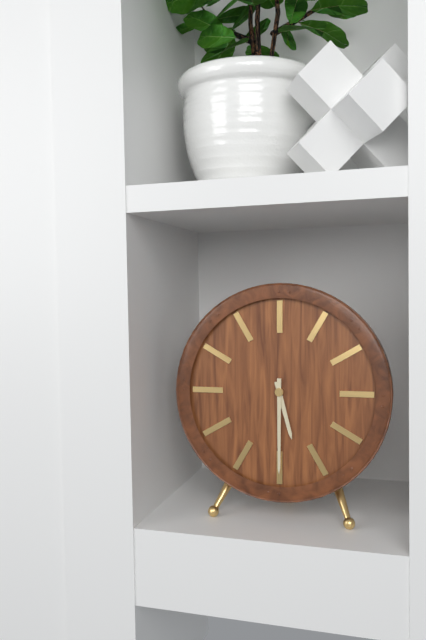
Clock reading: 5.30
